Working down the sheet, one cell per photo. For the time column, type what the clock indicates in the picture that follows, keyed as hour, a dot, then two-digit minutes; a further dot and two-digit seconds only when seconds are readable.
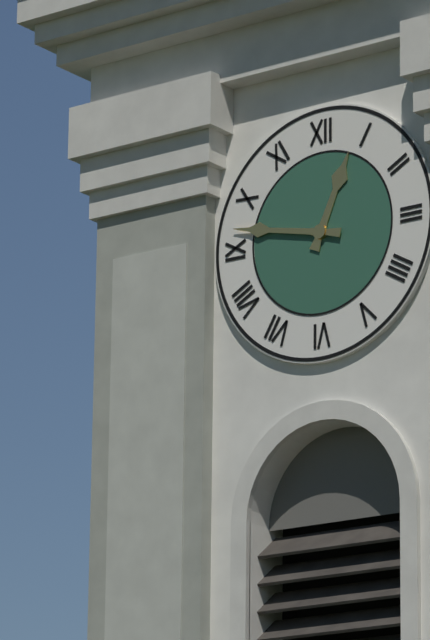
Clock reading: 12.47
